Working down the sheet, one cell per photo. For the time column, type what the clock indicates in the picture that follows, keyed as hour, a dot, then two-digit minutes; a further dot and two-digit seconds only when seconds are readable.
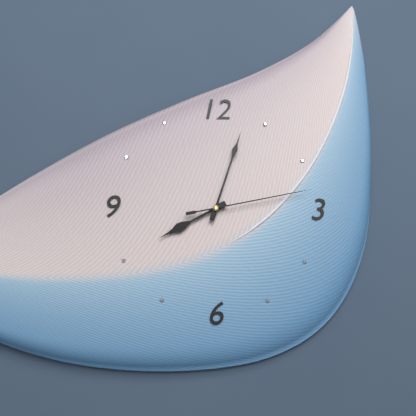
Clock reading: 8.03.13
